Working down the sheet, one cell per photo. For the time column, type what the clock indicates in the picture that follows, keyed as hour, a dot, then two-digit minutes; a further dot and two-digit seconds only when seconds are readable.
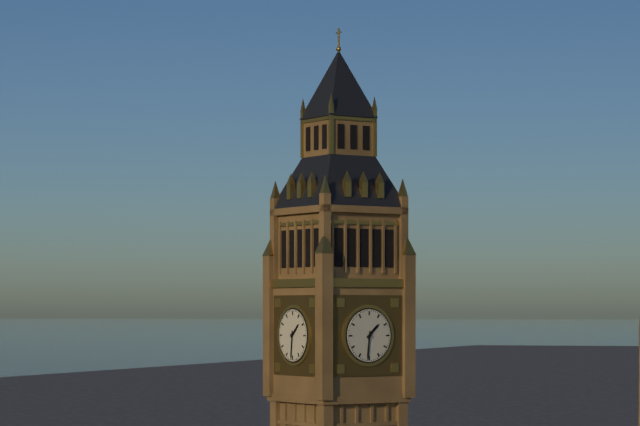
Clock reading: 1.31
